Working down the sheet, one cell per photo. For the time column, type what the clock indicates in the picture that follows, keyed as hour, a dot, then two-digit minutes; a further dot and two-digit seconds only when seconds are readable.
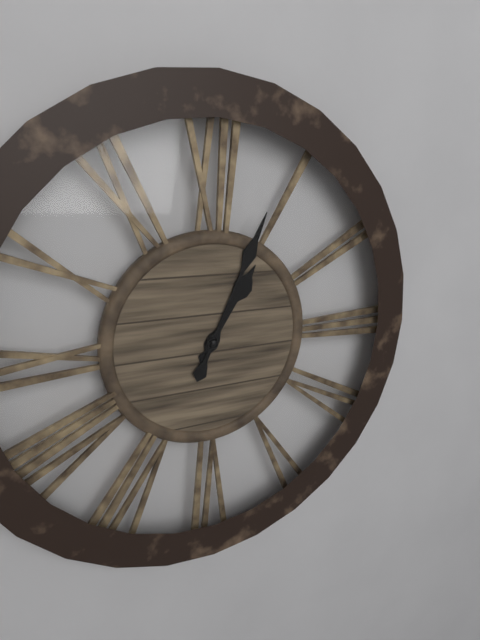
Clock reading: 1.04
